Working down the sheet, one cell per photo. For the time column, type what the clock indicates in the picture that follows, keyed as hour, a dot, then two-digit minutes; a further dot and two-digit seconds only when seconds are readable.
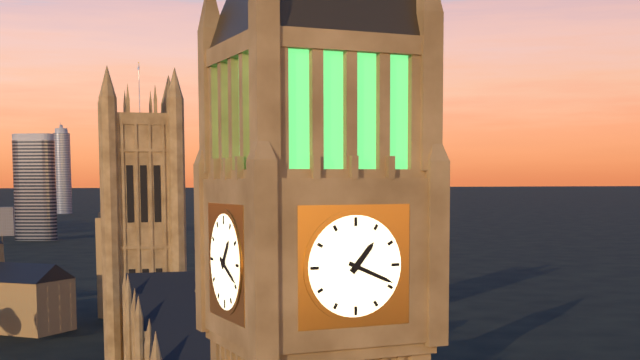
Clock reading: 1.19
